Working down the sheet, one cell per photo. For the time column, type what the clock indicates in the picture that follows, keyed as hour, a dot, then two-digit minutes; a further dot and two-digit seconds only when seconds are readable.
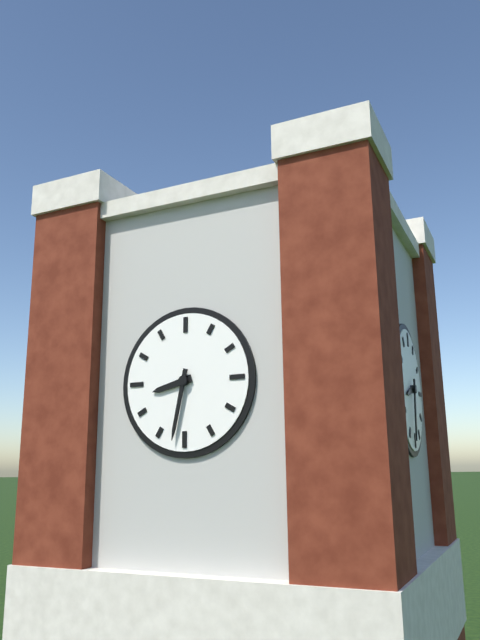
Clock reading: 8.32
